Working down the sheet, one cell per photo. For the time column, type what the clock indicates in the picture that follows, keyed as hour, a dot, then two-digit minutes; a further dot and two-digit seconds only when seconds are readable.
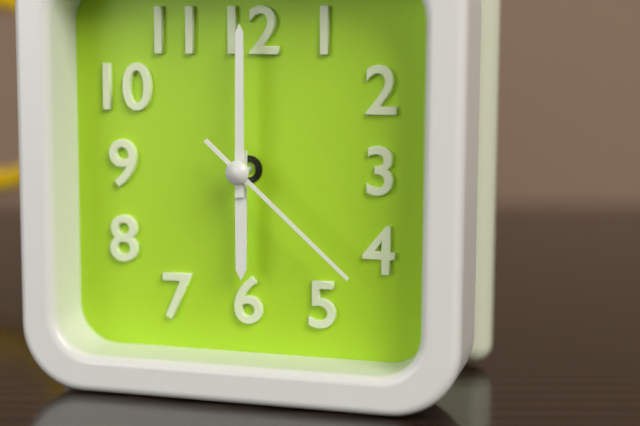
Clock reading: 6.00.22
